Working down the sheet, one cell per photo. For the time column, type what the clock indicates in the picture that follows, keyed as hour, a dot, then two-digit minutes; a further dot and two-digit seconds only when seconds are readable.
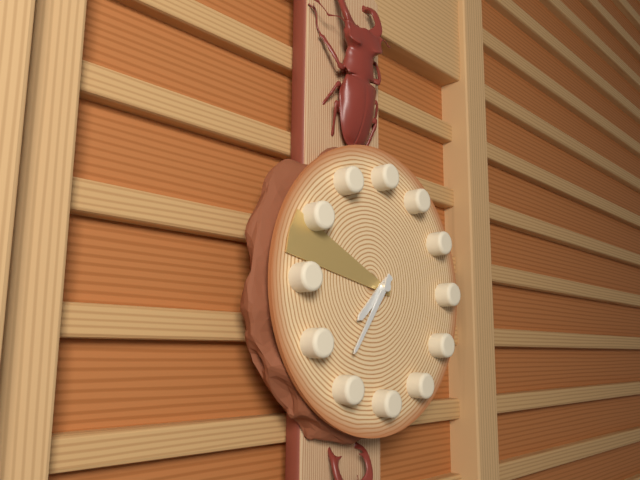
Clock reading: 7.36.48
